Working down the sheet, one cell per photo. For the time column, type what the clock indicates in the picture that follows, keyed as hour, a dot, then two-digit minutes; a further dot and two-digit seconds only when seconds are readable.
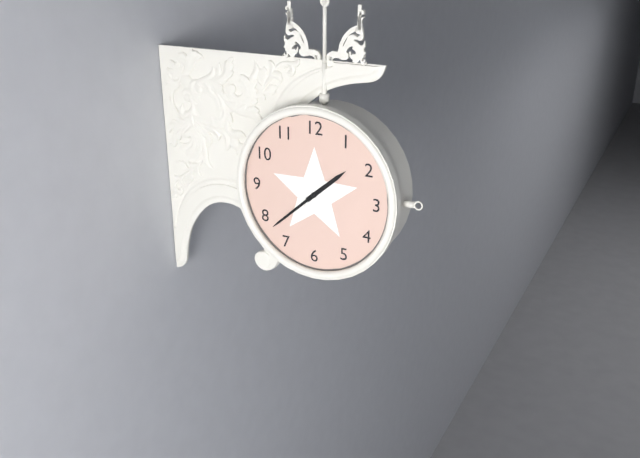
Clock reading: 1.38
